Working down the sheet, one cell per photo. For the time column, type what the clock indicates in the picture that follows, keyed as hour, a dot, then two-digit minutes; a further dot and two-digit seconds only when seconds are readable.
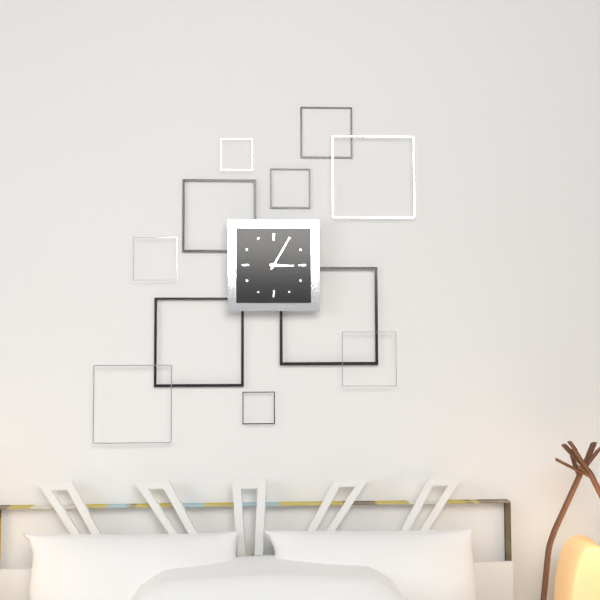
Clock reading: 3.05
